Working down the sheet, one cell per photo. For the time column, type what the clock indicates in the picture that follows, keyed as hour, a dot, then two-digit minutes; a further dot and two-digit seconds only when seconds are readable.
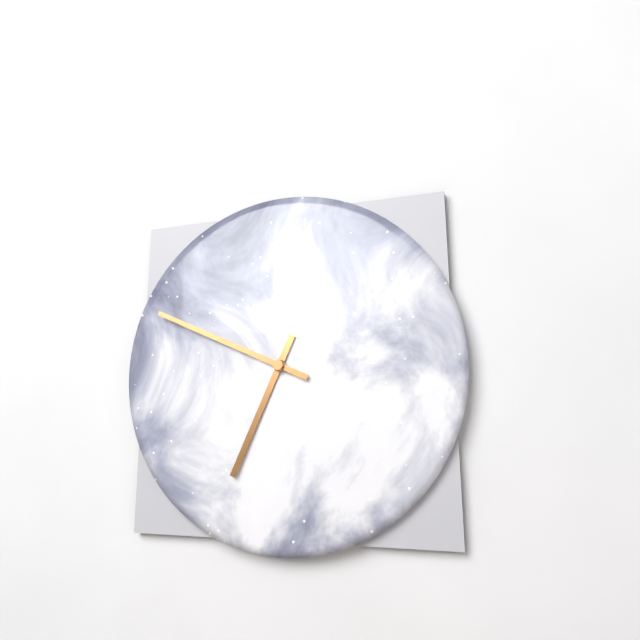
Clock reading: 6.49
